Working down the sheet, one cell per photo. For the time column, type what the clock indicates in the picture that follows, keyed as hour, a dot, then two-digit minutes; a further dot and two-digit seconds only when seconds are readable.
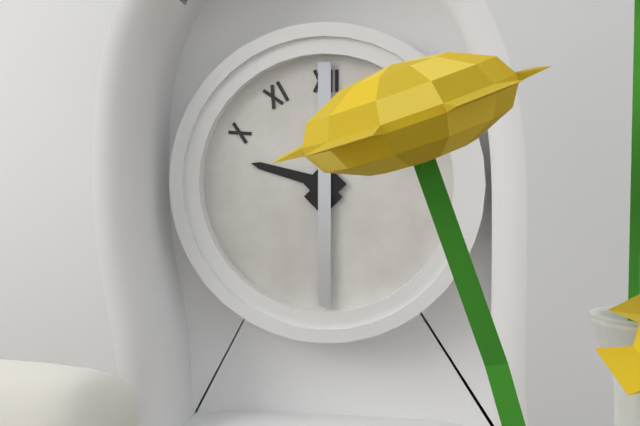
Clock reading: 9.30
